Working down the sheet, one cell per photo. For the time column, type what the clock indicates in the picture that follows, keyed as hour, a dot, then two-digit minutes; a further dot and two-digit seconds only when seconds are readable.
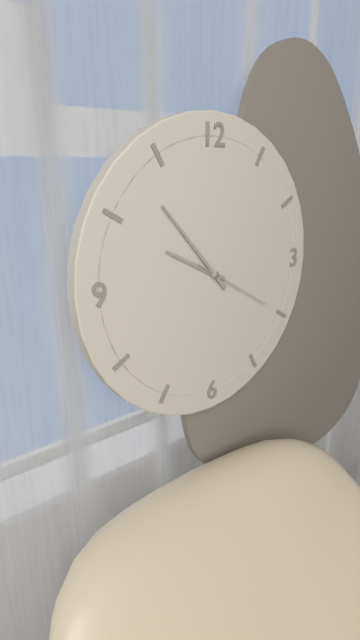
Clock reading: 9.53.20
